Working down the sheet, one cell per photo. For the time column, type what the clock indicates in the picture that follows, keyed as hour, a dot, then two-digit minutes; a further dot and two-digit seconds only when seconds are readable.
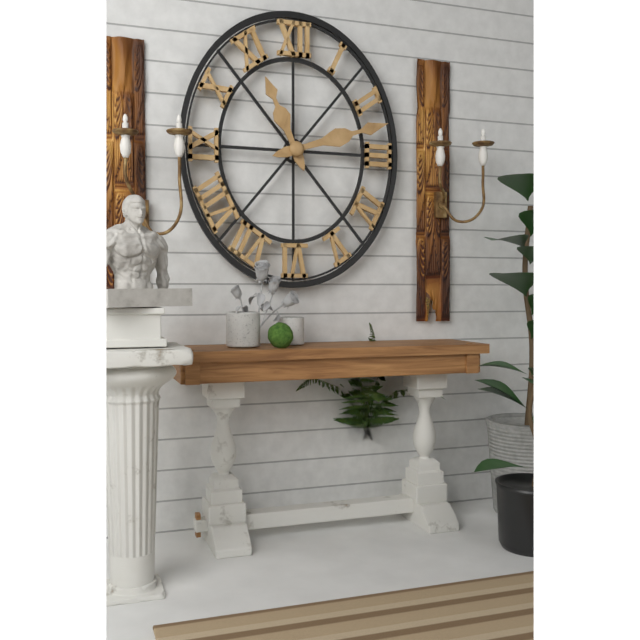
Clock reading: 11.12
